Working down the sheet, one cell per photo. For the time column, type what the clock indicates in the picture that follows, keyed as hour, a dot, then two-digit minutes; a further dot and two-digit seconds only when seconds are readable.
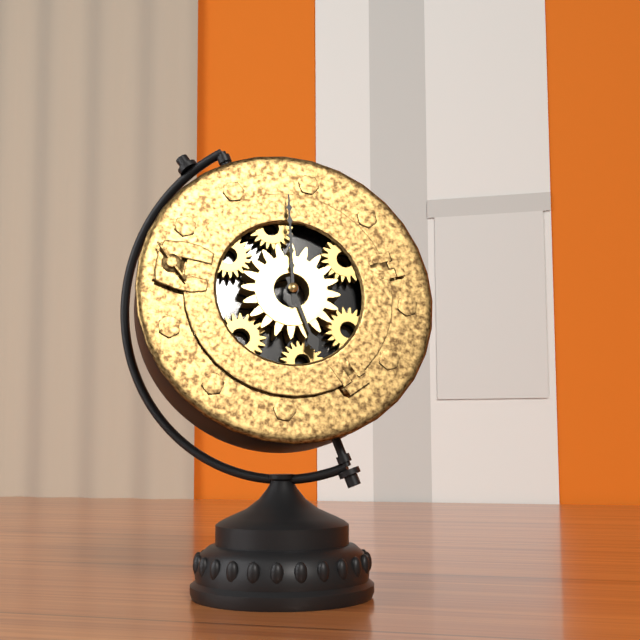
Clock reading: 4.58
